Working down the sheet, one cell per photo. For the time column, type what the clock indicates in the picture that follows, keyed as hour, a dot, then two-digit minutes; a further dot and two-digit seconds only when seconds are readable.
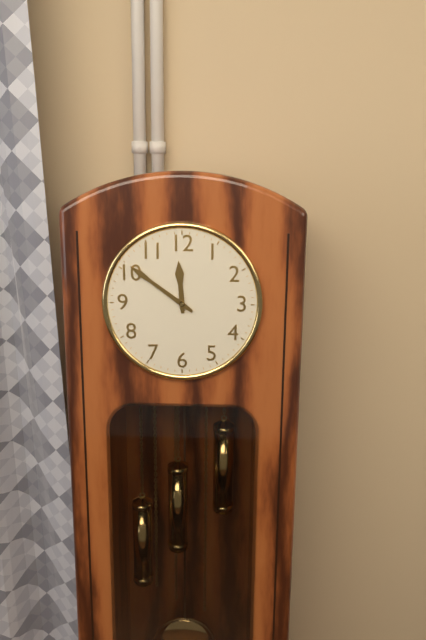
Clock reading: 11.51
